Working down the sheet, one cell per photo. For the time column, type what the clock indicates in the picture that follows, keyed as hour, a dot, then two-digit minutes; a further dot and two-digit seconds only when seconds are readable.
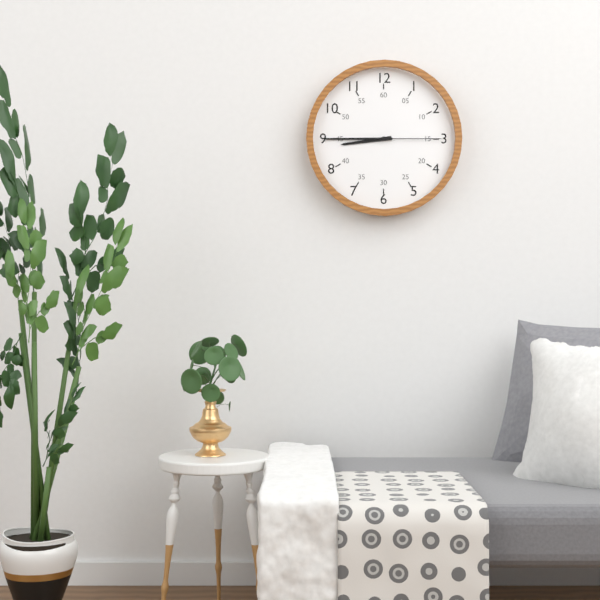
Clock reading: 8.45.15
